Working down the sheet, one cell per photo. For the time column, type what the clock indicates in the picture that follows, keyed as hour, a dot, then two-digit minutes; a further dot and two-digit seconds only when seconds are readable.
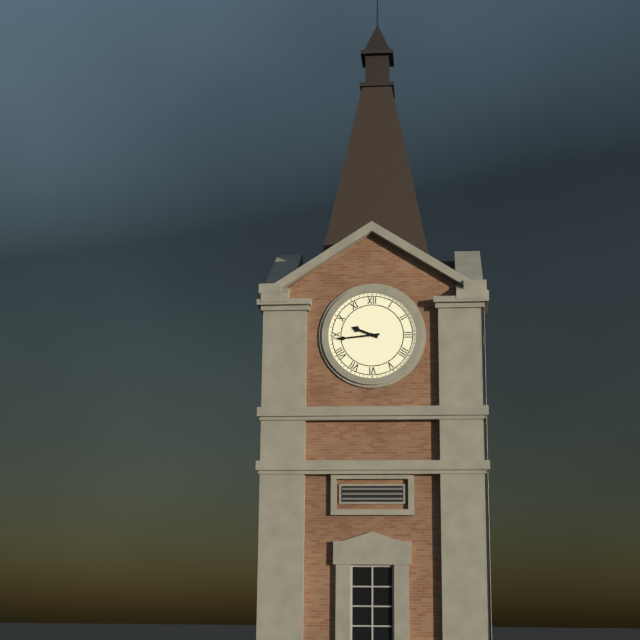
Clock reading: 9.44
